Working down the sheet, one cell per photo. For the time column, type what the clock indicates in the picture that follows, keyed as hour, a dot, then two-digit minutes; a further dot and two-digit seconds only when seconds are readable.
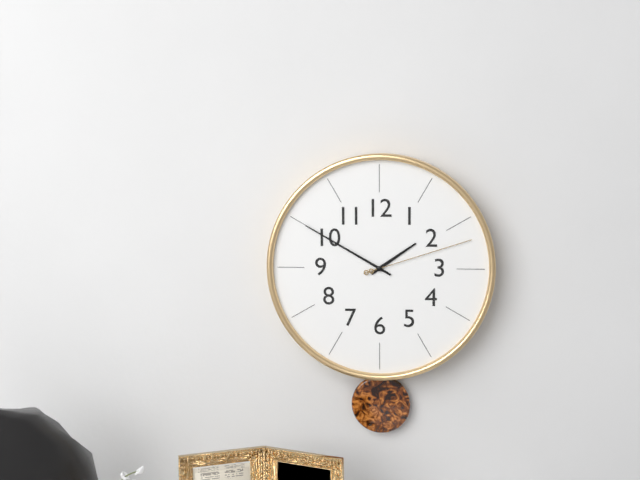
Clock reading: 1.50.12
